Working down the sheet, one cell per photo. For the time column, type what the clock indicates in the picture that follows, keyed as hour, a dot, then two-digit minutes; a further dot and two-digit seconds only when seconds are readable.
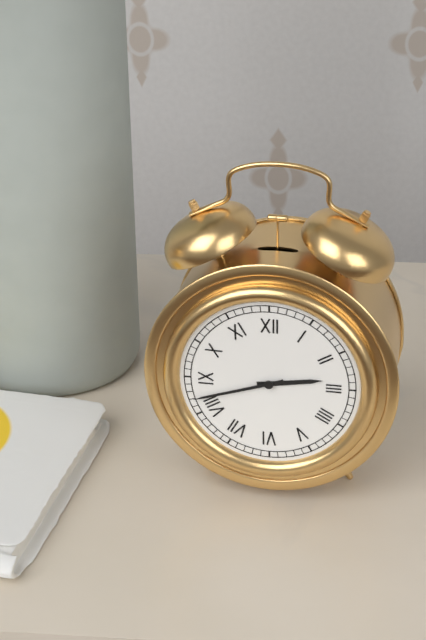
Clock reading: 2.42
